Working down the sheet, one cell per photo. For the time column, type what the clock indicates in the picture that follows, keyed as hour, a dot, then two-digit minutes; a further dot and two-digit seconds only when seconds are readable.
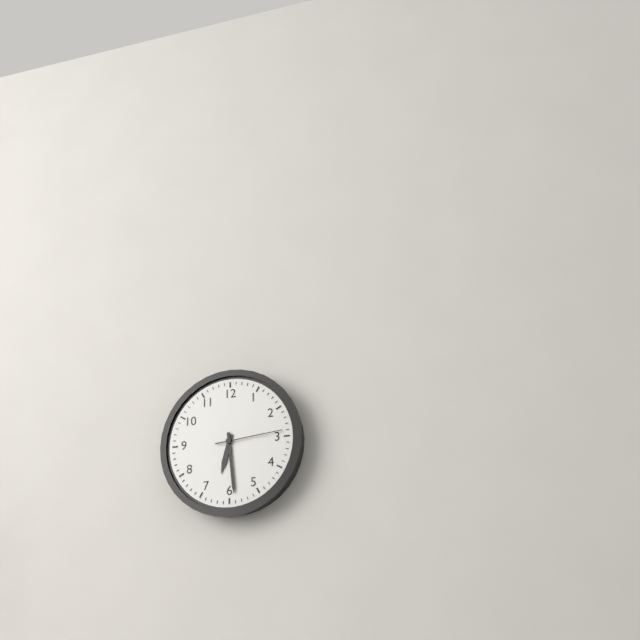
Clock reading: 6.29.14
